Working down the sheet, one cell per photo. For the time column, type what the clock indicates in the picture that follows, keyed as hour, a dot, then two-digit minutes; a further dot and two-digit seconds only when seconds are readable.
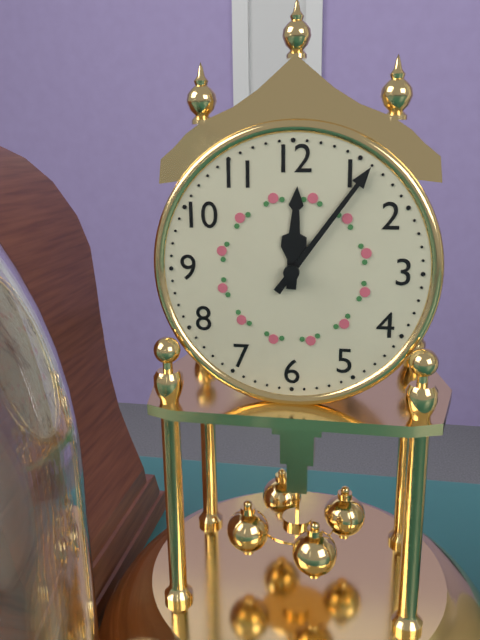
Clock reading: 12.06
